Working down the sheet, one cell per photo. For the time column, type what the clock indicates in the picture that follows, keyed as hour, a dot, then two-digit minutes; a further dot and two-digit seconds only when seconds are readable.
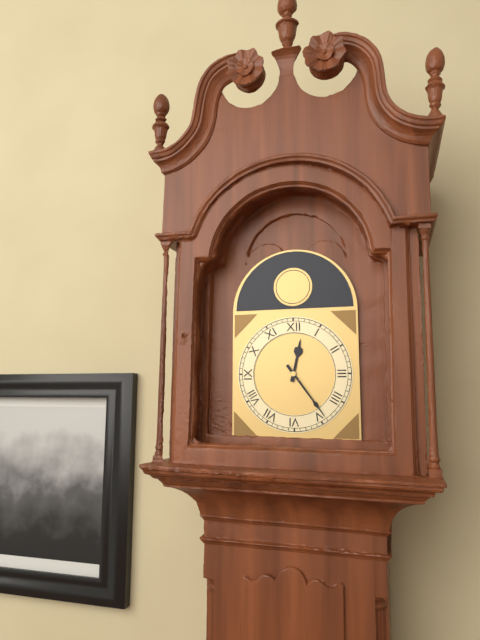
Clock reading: 12.24
